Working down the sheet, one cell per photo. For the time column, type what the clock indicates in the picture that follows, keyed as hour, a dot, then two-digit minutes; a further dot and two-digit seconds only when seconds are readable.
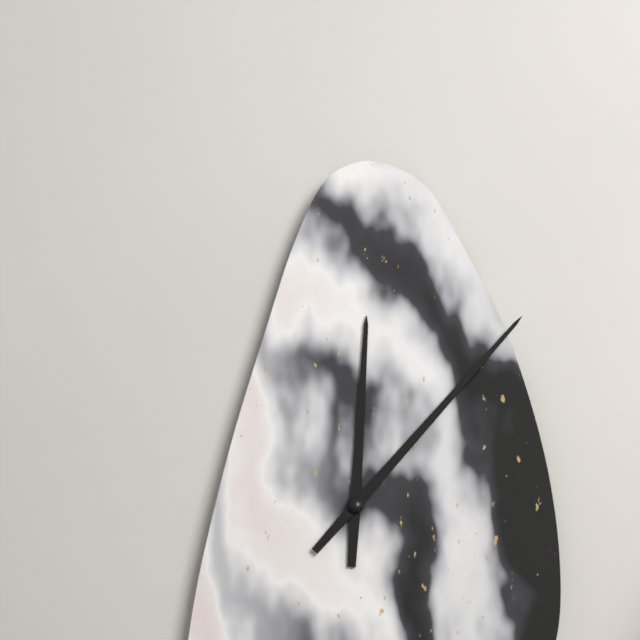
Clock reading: 12.07
